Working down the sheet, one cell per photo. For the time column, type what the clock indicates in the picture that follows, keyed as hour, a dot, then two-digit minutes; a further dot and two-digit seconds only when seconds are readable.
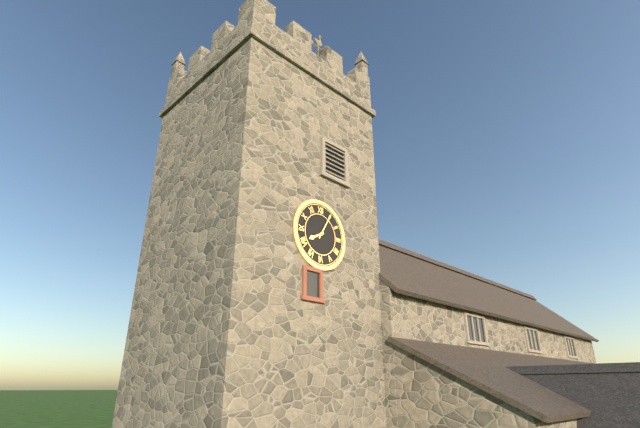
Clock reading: 8.05
